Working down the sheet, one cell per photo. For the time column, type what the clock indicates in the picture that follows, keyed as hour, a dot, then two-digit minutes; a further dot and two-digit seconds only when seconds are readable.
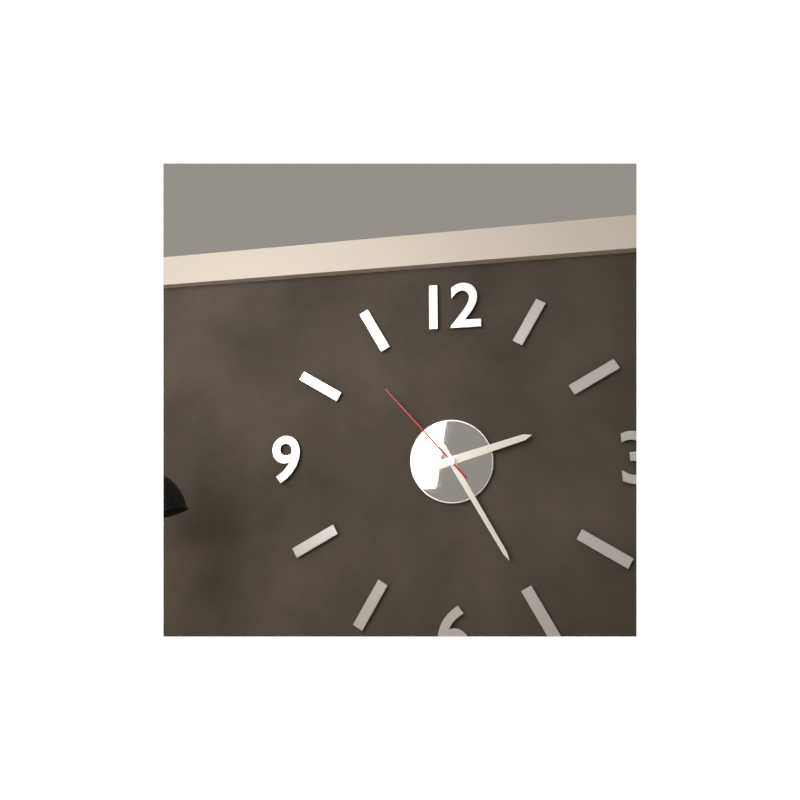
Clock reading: 2.25.53
